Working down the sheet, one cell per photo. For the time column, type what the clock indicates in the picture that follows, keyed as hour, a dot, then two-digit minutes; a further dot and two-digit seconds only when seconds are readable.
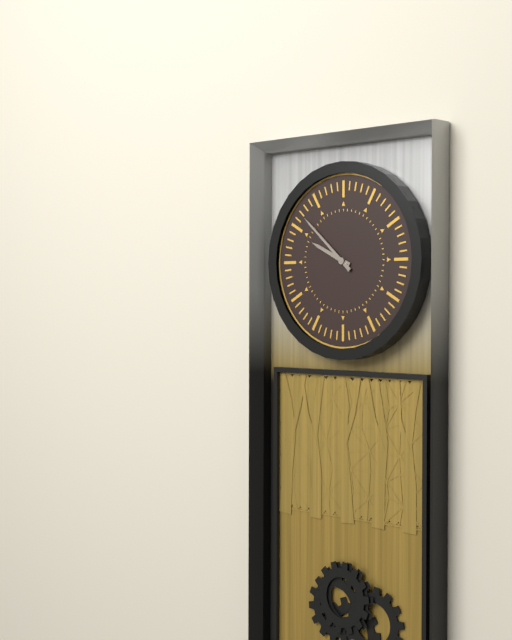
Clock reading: 9.52
